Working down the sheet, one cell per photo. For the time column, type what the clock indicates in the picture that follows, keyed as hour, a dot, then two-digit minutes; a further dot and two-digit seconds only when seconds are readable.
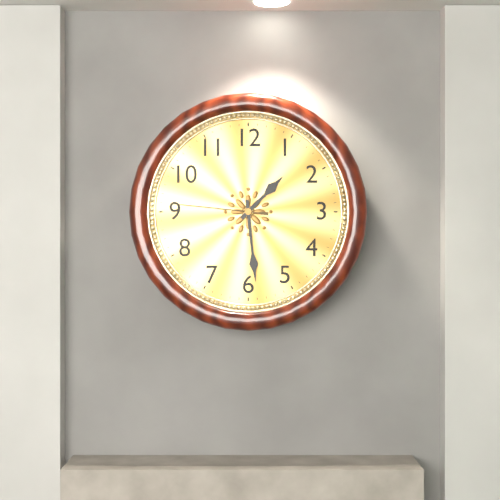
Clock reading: 1.29.46
